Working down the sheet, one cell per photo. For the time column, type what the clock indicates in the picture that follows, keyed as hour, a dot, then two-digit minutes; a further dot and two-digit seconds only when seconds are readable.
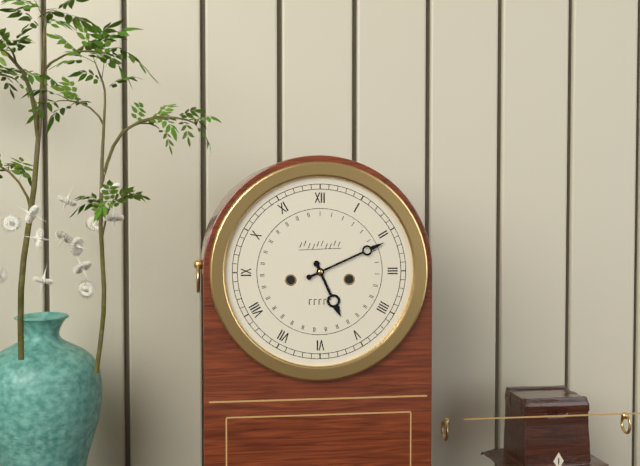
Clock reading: 5.11
